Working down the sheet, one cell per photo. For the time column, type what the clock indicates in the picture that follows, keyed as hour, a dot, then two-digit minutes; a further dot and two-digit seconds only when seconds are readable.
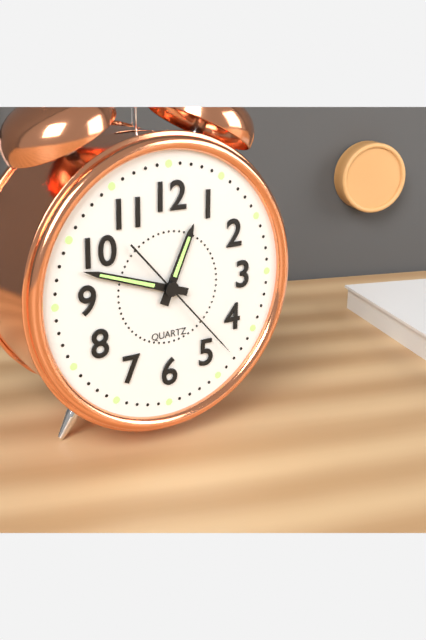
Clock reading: 12.48.23
